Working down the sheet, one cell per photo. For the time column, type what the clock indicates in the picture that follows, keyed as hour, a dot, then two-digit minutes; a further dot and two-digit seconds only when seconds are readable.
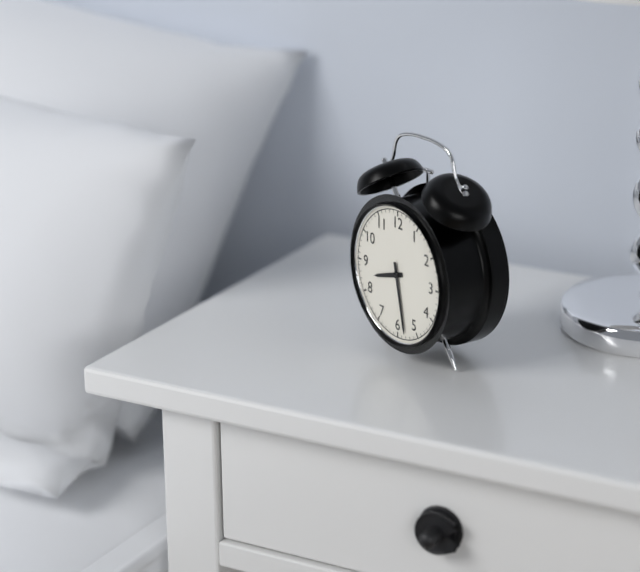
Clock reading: 8.28
